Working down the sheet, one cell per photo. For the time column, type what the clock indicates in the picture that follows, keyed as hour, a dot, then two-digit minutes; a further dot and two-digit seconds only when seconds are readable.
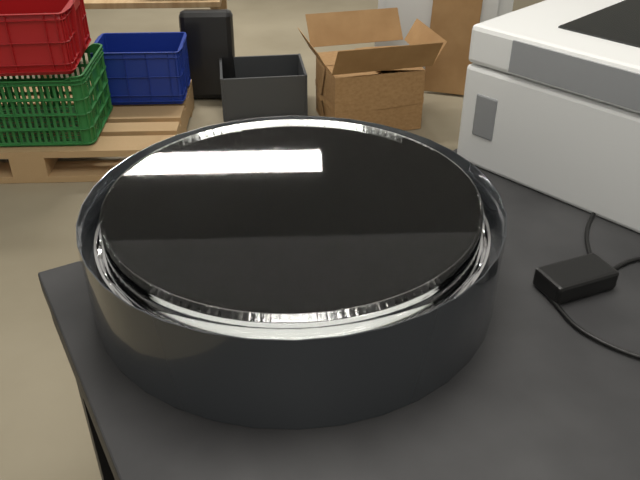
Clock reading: 10.31
